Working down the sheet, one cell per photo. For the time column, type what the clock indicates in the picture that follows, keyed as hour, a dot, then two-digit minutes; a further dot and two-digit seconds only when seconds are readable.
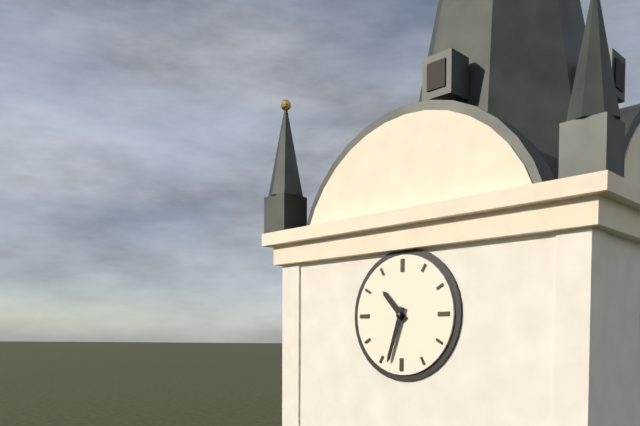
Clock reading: 10.33
